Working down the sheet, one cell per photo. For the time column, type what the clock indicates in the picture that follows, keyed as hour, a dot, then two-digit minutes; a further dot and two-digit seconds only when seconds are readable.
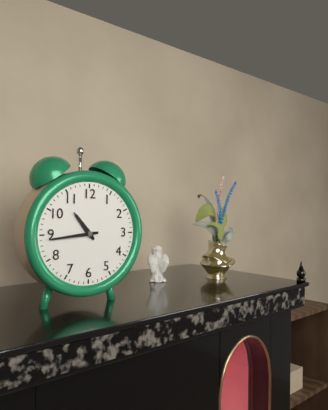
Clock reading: 10.44
